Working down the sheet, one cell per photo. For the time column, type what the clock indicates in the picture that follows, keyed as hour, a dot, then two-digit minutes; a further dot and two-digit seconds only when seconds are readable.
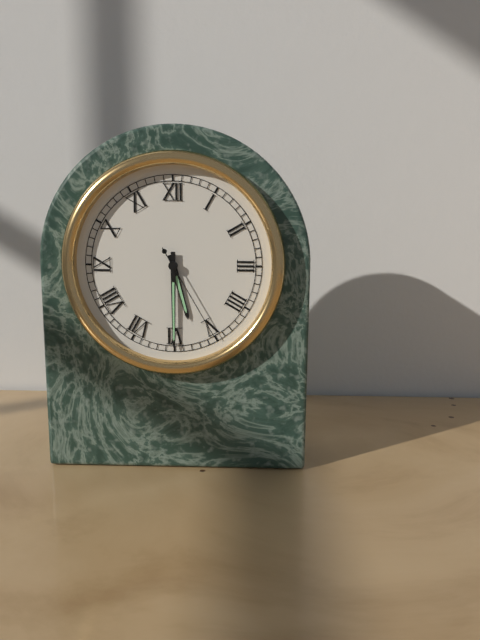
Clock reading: 5.30.25
